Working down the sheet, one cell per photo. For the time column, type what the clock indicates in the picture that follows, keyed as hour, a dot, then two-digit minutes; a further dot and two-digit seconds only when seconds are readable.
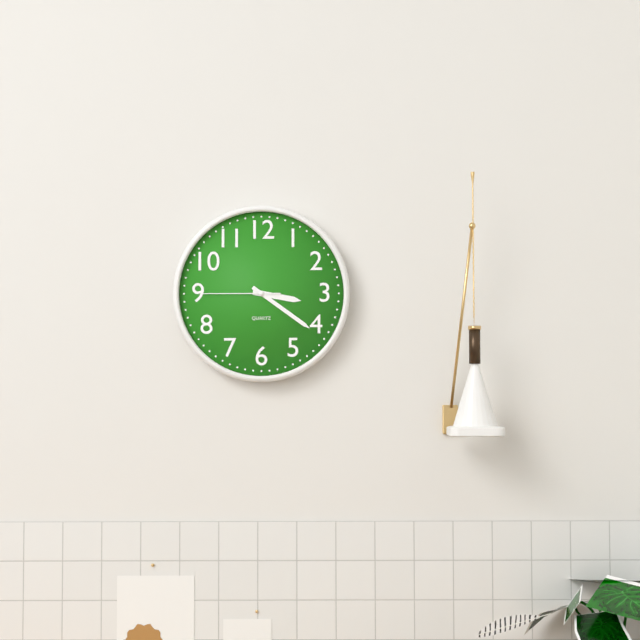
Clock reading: 3.21.45
